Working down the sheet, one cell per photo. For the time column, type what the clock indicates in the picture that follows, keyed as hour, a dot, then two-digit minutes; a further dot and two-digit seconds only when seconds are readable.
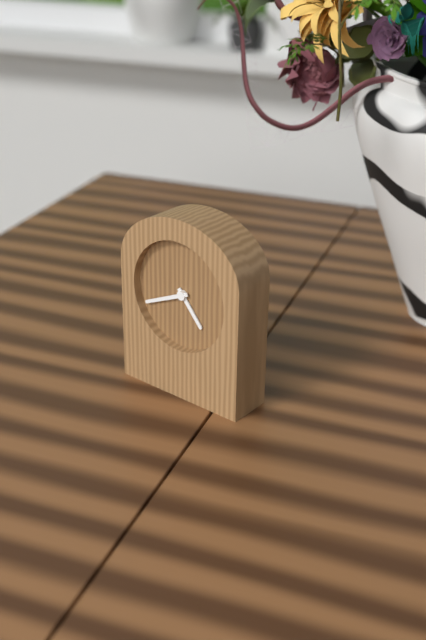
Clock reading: 4.41
